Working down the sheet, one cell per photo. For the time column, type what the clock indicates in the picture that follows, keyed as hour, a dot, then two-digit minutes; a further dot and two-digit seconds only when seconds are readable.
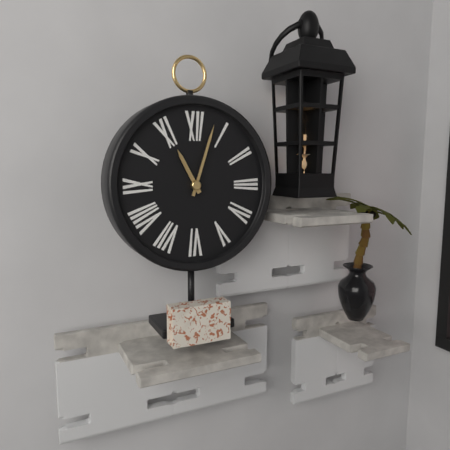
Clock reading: 11.03
